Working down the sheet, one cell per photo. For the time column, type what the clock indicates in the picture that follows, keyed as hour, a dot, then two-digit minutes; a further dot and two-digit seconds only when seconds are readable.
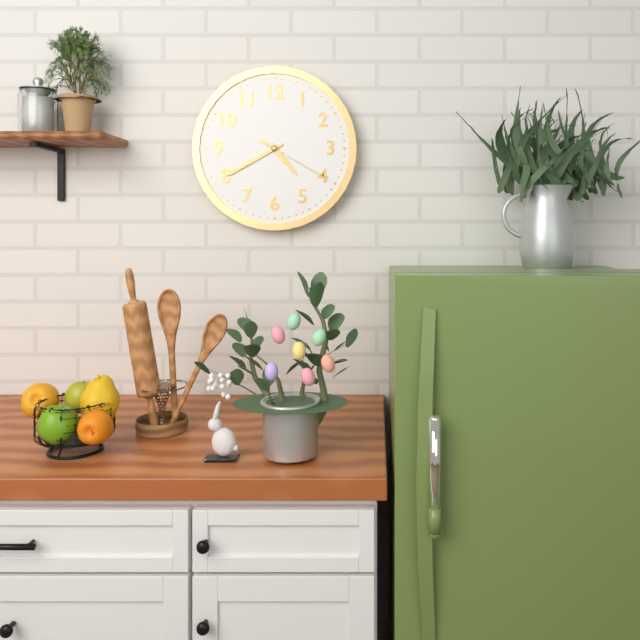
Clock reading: 4.40.20
